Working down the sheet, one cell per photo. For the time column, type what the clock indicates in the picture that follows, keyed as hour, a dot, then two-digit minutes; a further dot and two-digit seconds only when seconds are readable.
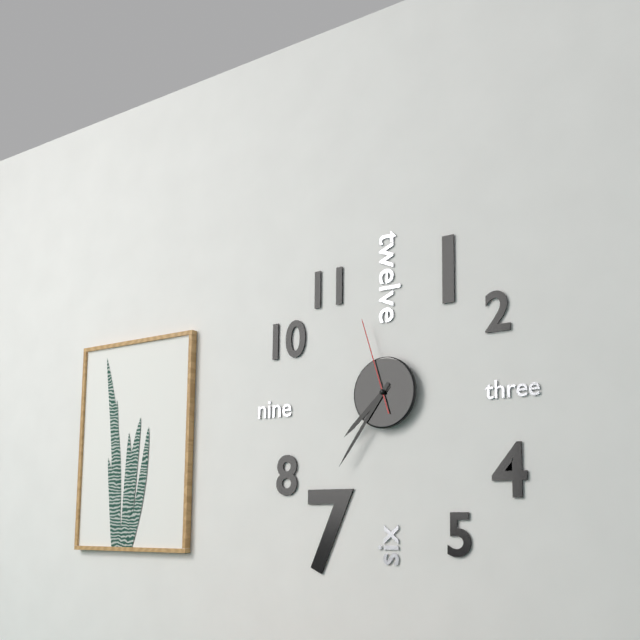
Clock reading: 7.36.57
